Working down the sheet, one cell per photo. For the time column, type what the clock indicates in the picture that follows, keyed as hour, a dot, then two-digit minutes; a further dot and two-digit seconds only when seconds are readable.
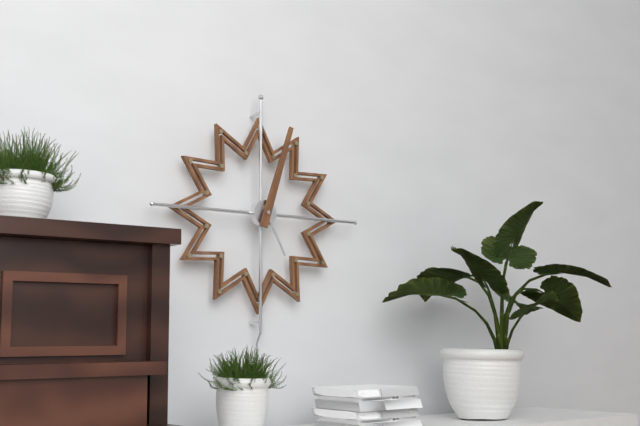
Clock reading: 5.03
